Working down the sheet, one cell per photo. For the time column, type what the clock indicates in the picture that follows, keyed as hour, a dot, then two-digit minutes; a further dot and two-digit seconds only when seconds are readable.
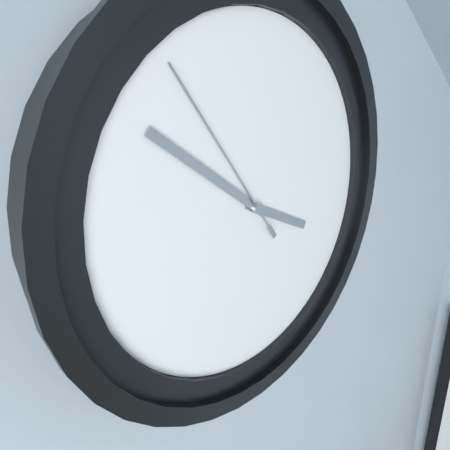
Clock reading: 3.51.54
